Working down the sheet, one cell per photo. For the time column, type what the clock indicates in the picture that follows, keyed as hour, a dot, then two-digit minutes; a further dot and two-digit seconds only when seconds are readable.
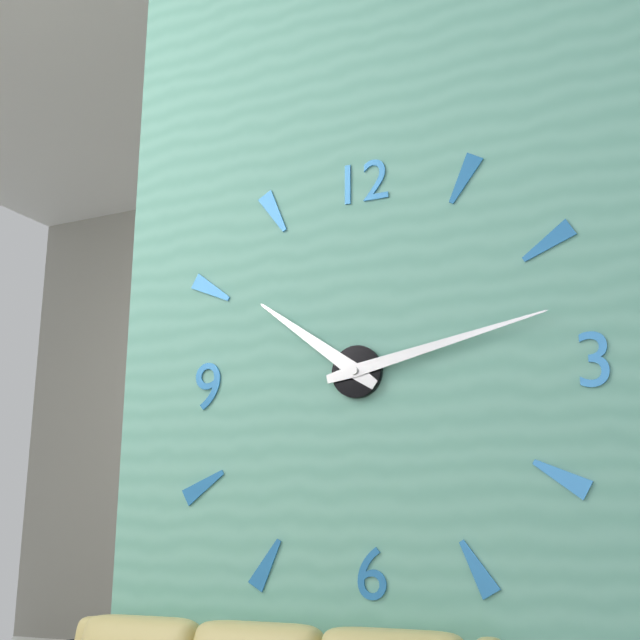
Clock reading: 10.13
